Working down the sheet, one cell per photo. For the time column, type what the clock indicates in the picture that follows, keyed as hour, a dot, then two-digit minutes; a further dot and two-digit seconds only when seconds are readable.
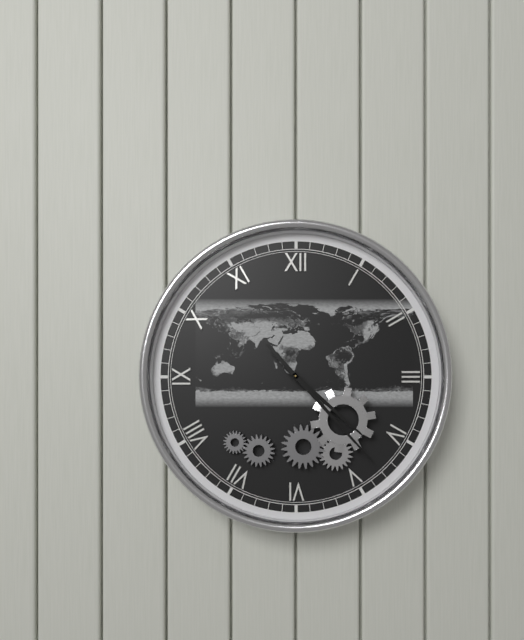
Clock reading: 4.23
